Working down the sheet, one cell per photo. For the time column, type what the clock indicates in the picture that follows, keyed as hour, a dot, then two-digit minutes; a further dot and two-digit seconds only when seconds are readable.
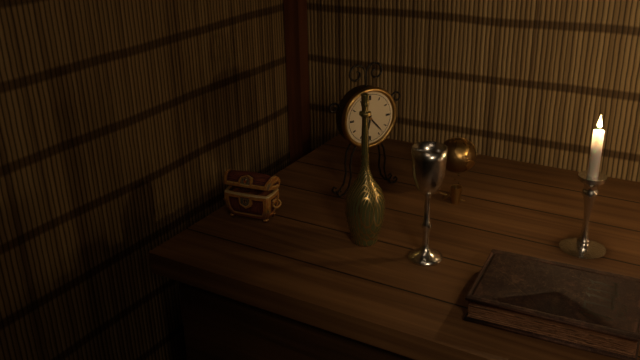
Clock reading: 6.23
